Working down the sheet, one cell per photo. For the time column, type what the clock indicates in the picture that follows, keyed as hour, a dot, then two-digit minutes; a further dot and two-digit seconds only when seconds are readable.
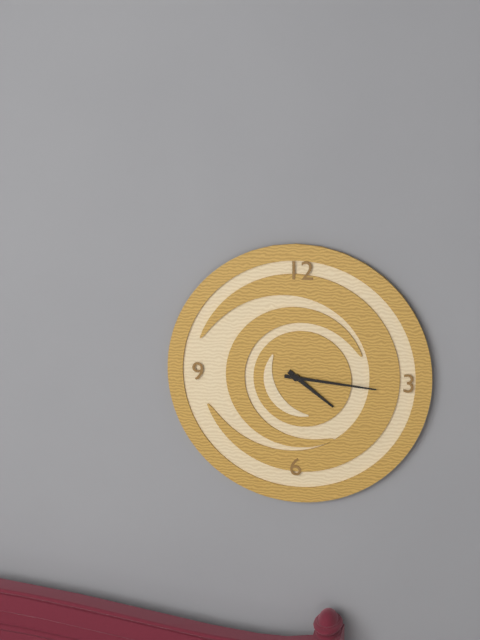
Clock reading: 4.16
